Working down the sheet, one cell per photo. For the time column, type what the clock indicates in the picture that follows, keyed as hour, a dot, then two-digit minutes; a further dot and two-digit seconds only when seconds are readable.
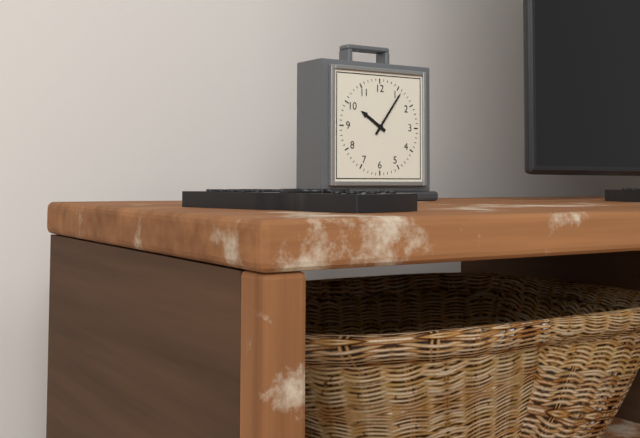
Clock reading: 10.06
